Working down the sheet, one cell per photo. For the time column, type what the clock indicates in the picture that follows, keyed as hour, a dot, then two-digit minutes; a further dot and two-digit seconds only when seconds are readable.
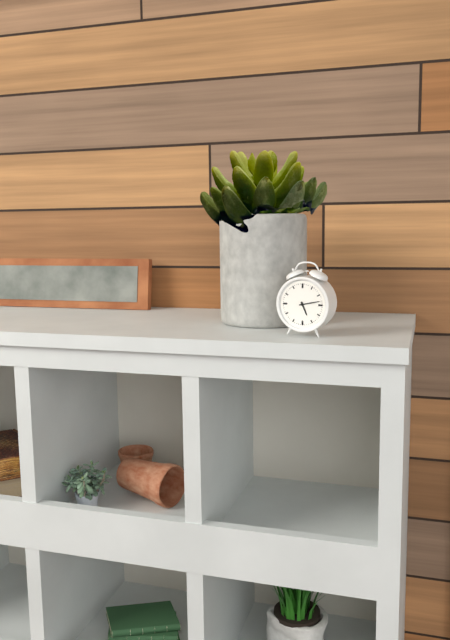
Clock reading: 5.13
